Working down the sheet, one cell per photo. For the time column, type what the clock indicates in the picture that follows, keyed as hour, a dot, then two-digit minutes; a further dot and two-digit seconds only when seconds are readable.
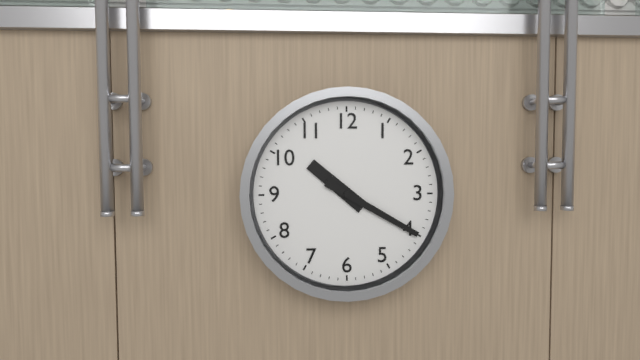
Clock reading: 10.20
